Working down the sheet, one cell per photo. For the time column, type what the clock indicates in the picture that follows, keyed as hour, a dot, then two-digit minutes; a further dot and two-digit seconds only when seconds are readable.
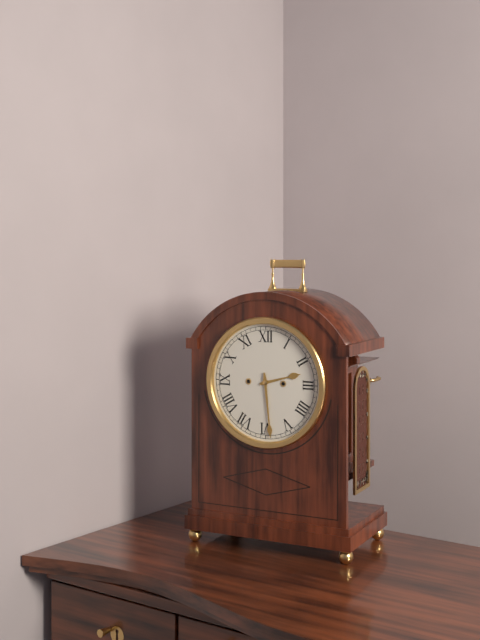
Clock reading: 2.29
